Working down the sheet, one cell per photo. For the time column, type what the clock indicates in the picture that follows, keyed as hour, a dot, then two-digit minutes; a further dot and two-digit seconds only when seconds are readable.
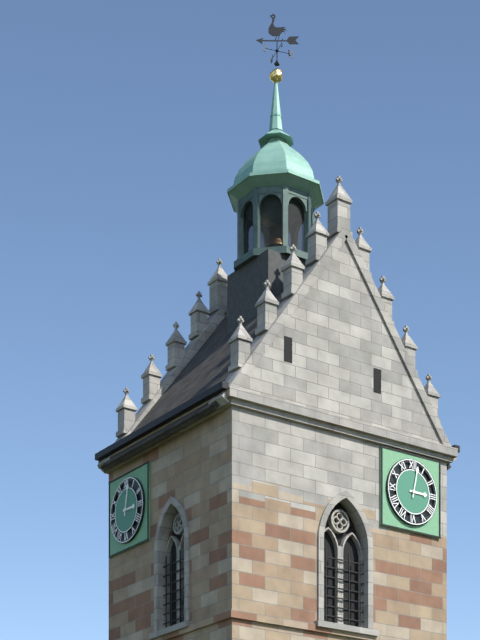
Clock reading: 3.02
